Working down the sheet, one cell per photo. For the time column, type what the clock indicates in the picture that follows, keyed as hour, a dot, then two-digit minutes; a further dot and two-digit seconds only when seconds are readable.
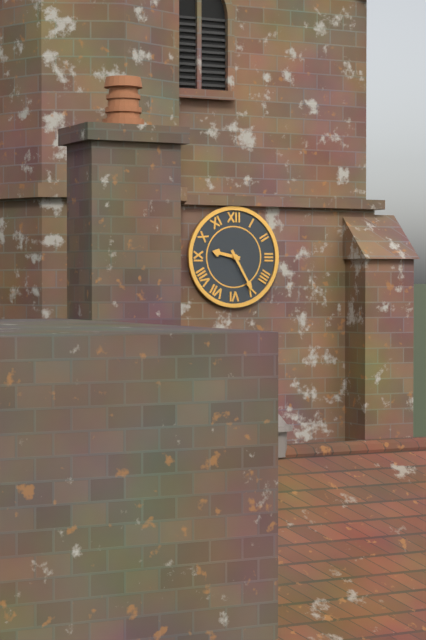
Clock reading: 9.25
